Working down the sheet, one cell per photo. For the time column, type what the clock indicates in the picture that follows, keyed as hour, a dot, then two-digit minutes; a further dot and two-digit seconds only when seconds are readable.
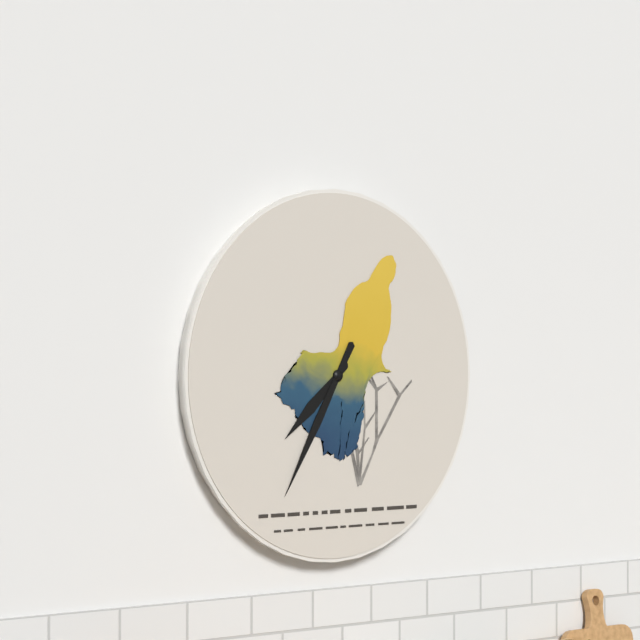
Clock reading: 7.35
